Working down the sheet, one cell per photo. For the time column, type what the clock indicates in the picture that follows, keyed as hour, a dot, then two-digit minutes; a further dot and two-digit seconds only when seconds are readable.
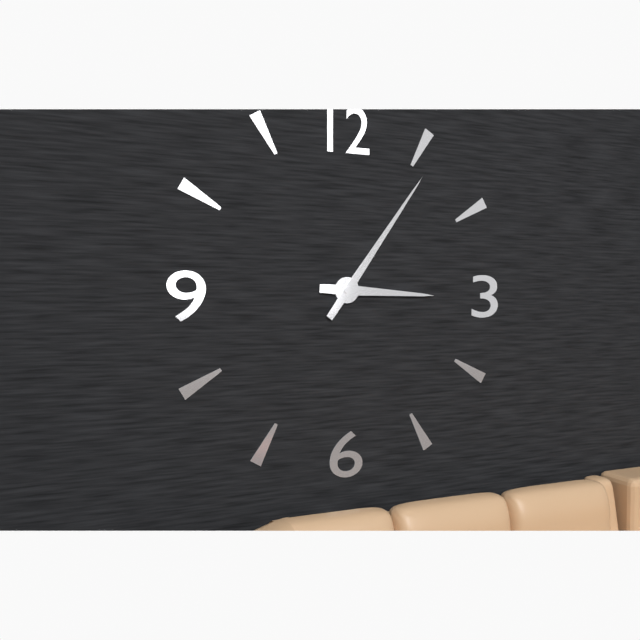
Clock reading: 3.06
